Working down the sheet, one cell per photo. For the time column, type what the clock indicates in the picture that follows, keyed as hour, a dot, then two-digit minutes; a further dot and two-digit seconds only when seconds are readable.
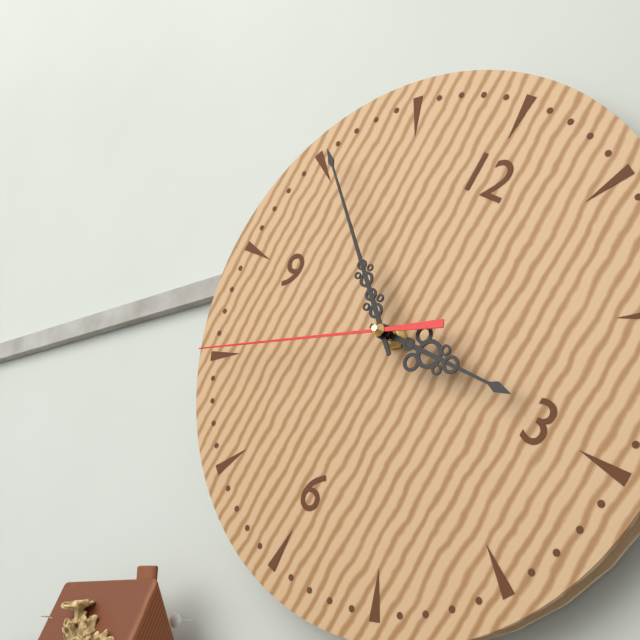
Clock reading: 2.51.40
